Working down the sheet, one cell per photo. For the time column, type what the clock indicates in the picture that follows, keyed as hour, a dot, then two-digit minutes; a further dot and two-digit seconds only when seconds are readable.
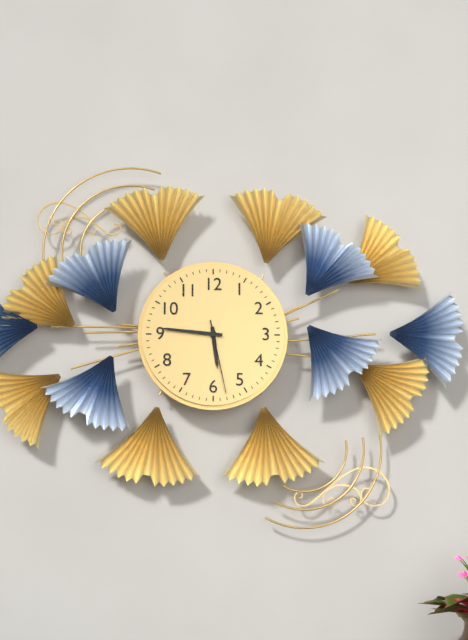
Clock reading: 5.46.28
